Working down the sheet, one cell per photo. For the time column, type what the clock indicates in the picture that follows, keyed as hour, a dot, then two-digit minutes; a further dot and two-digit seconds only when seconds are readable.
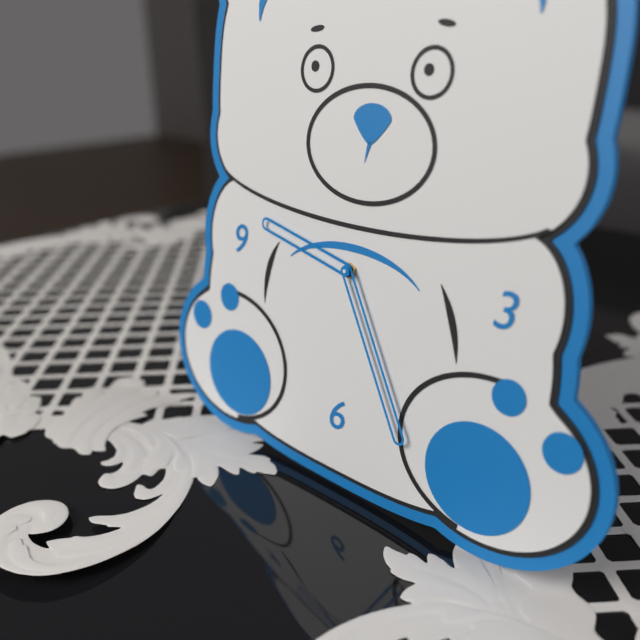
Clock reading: 9.25
